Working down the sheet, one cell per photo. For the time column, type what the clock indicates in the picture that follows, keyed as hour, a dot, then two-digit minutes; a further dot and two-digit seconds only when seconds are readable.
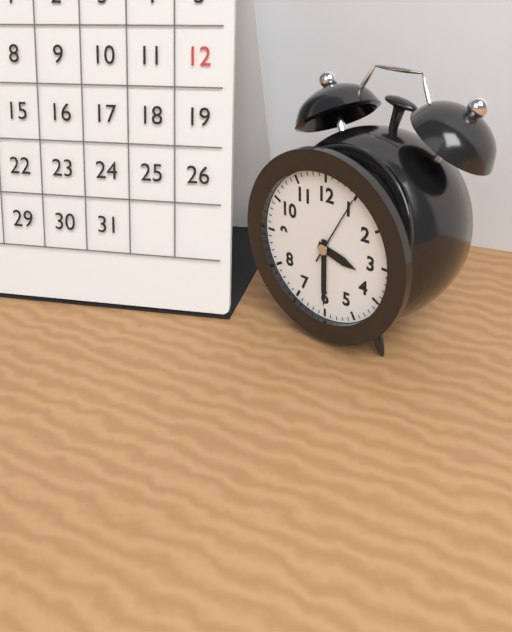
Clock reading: 3.30.05
